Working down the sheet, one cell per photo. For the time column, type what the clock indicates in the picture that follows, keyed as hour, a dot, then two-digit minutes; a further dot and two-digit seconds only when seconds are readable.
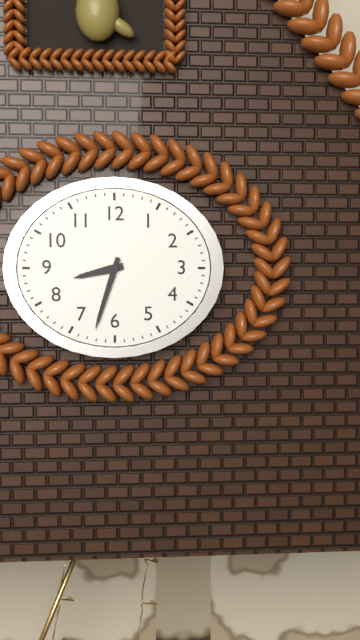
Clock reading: 8.33
